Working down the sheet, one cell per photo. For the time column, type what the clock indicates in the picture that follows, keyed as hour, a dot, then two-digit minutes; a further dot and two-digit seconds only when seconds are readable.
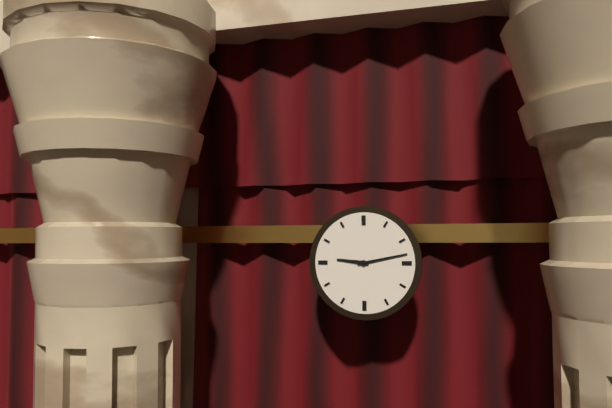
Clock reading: 9.13
